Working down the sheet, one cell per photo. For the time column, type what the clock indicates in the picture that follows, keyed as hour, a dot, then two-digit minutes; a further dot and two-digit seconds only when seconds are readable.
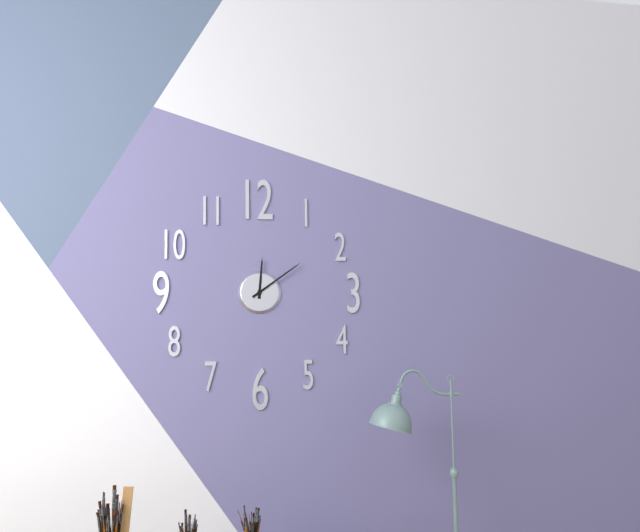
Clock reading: 12.09
